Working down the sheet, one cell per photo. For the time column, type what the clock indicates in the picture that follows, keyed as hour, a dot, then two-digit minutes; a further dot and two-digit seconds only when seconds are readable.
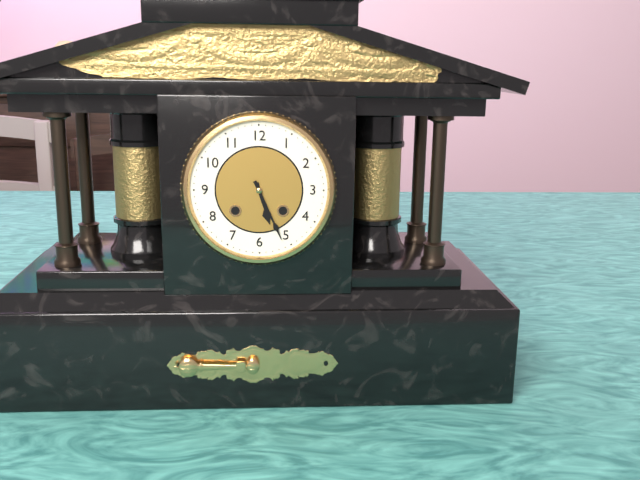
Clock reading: 5.26
